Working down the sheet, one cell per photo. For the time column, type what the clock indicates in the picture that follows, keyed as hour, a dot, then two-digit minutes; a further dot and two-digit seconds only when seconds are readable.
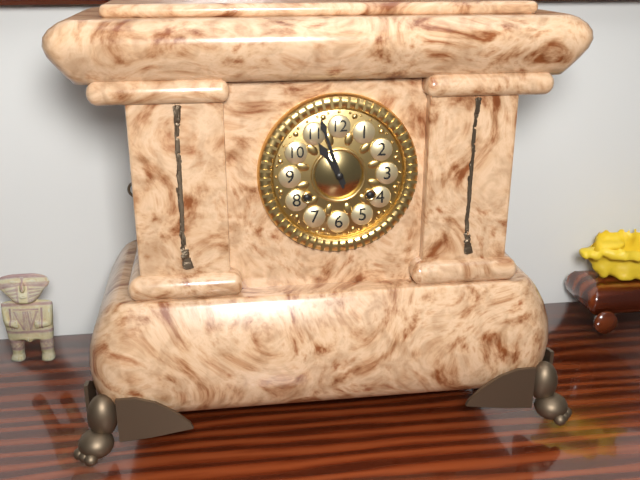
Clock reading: 10.57
